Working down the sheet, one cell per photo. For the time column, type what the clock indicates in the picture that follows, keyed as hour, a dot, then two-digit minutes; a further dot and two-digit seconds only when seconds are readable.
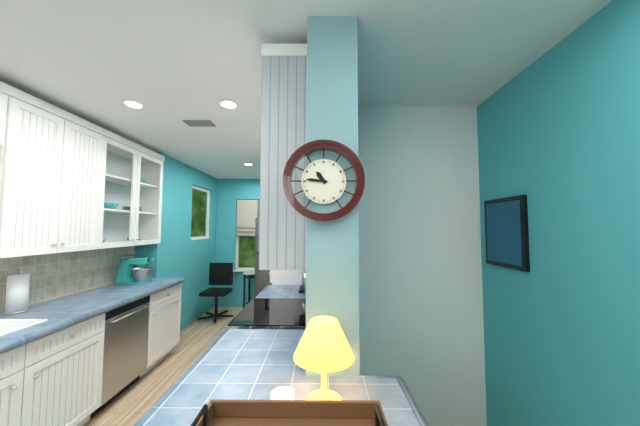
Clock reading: 10.46
